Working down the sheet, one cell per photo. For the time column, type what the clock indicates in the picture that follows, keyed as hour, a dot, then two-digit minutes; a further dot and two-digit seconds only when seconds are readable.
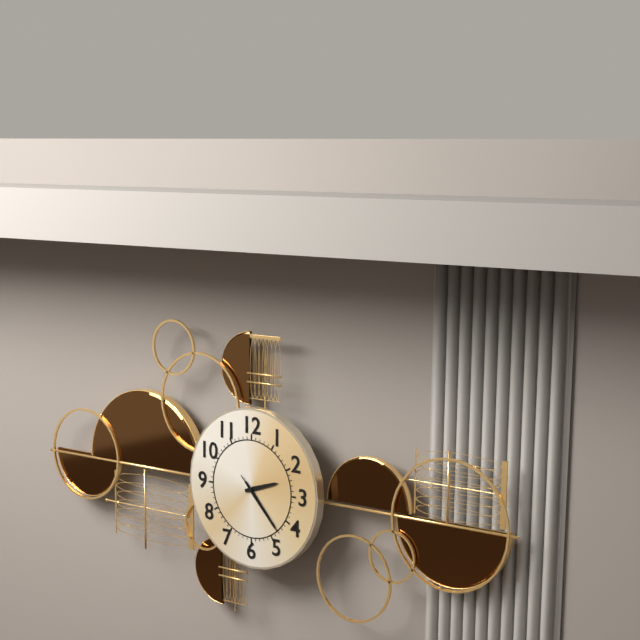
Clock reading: 2.23.23
